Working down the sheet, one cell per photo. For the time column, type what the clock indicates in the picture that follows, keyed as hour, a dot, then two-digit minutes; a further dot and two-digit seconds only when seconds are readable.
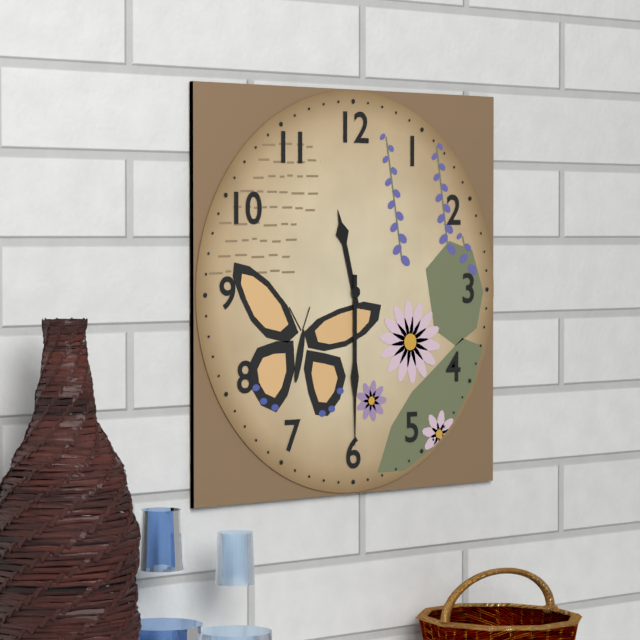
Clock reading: 11.30
